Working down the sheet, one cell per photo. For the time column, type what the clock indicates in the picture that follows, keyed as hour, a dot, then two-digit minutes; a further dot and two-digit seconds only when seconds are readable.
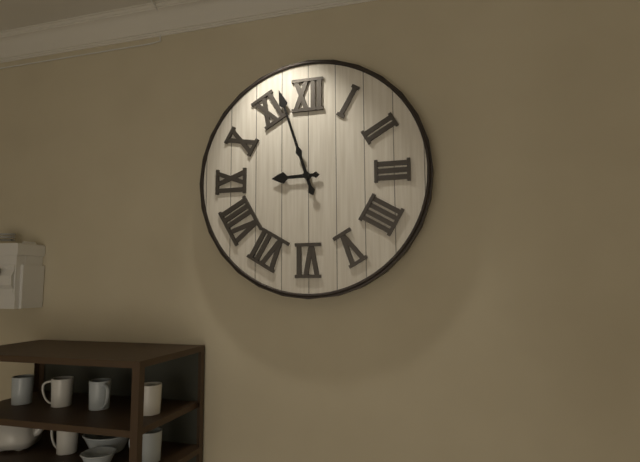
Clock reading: 8.57
